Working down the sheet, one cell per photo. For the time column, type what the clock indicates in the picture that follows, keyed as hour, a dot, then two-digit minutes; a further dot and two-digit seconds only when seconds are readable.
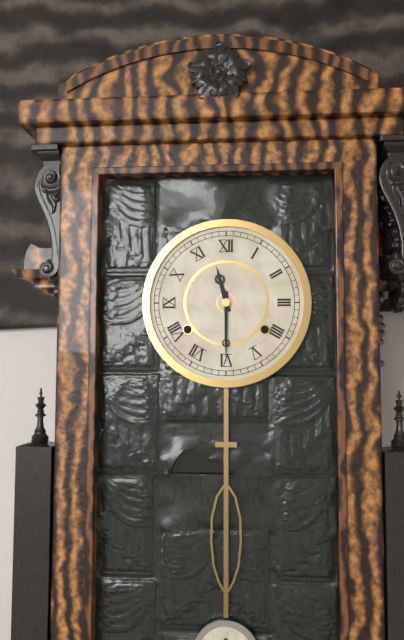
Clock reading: 11.30
